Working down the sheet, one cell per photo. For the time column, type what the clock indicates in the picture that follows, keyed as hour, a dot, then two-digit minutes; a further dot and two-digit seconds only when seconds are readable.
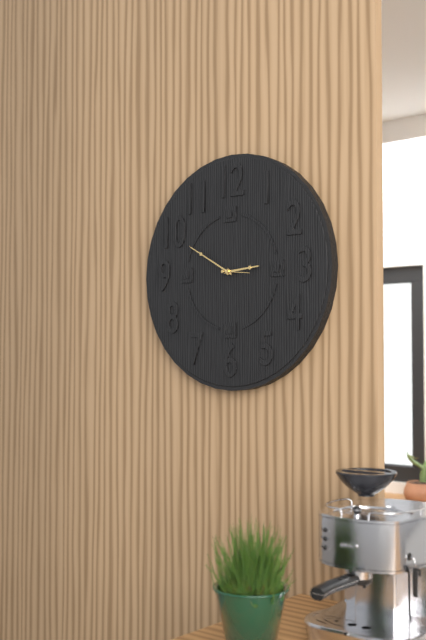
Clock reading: 2.50
